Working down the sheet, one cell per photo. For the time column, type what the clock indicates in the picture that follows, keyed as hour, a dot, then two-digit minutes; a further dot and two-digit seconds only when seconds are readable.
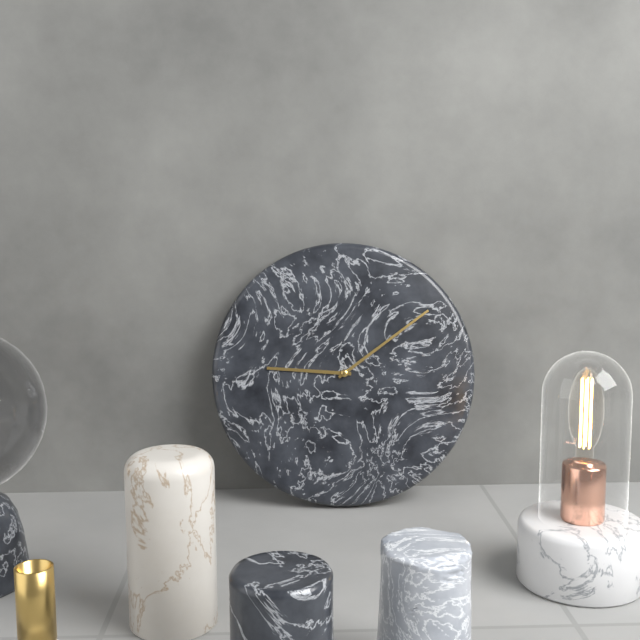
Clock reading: 9.09
